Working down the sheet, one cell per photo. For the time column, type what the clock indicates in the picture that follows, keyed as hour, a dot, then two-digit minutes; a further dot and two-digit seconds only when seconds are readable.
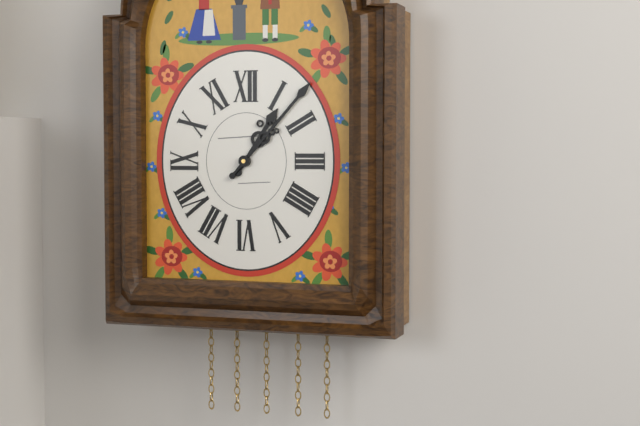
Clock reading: 1.07
